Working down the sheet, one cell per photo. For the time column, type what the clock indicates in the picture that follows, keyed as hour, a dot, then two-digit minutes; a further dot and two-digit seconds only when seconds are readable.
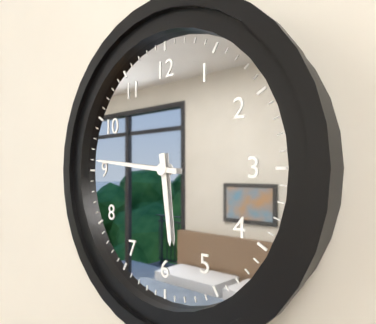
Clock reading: 5.46
